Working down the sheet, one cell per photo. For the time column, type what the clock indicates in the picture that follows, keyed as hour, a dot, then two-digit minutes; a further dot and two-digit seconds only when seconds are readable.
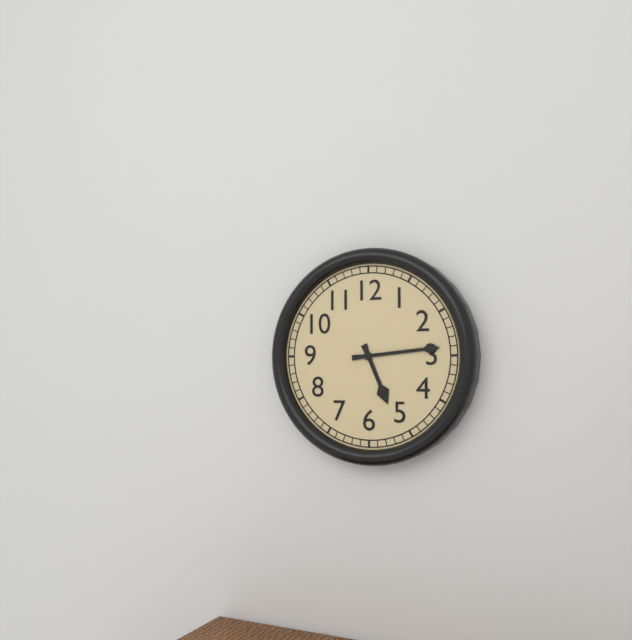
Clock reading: 5.14
